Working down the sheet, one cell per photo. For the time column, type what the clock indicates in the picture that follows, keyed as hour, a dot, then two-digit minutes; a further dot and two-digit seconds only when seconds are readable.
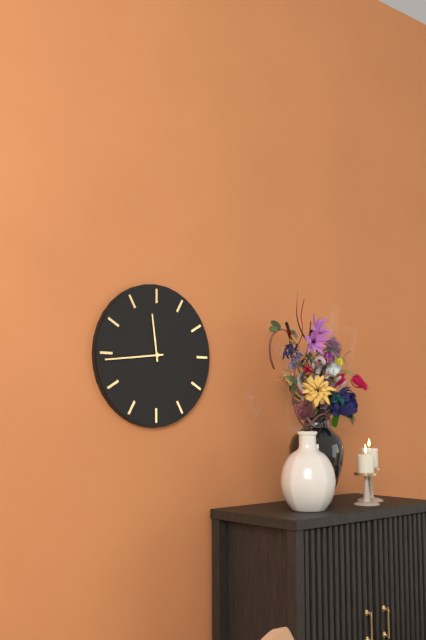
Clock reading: 11.44
